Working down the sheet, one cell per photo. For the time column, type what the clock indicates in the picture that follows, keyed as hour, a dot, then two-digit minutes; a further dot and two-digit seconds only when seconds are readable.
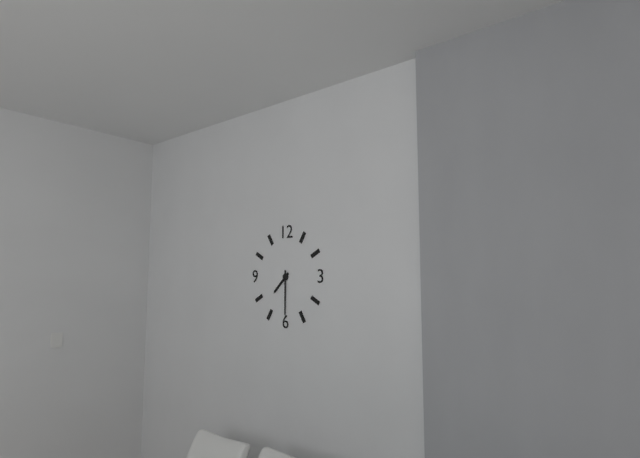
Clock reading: 7.30
